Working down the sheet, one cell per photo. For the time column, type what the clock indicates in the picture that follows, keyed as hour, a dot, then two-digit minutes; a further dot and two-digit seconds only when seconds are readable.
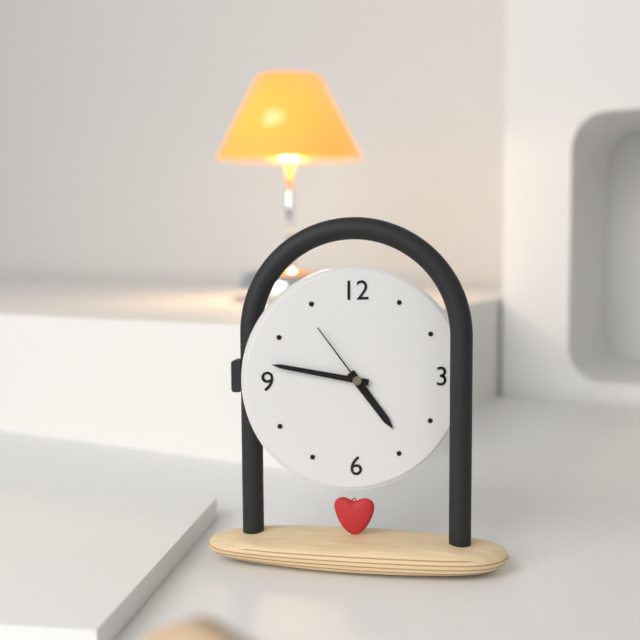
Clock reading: 4.47.54
